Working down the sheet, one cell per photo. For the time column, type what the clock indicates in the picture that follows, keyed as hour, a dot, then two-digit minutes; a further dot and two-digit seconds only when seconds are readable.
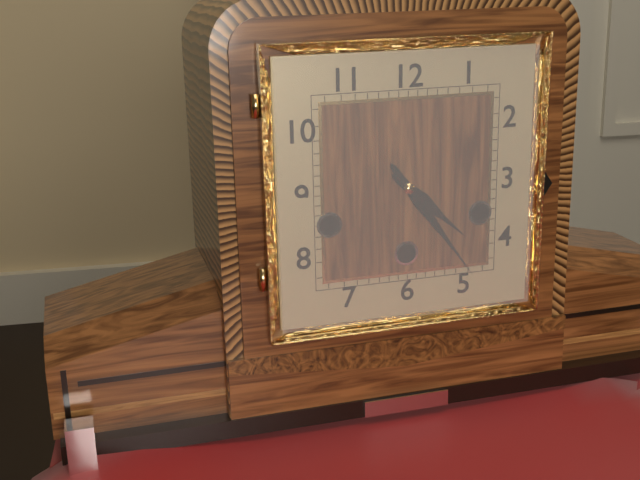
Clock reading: 4.24
